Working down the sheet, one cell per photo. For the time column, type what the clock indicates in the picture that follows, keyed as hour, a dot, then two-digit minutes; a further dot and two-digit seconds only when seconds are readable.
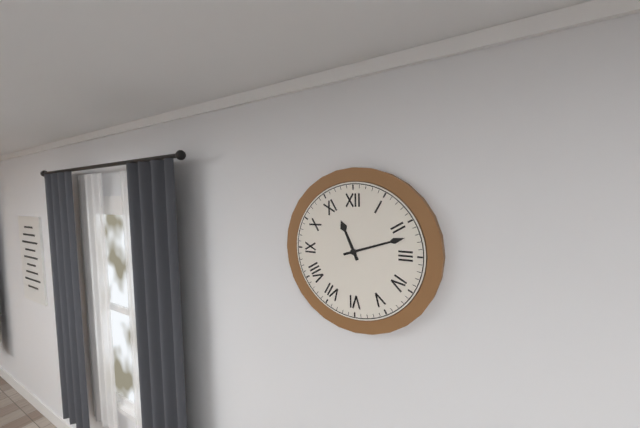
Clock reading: 11.12
